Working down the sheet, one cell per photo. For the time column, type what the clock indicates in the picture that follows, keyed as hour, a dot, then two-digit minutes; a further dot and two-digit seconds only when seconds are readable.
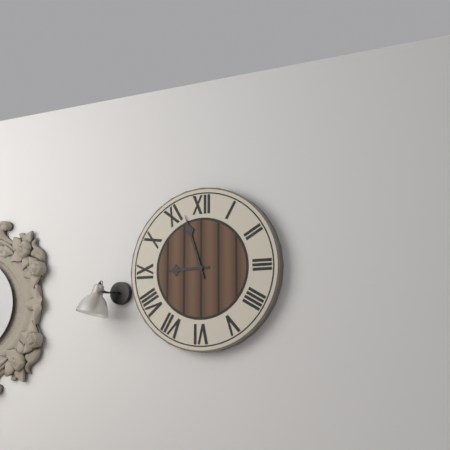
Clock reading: 8.57
